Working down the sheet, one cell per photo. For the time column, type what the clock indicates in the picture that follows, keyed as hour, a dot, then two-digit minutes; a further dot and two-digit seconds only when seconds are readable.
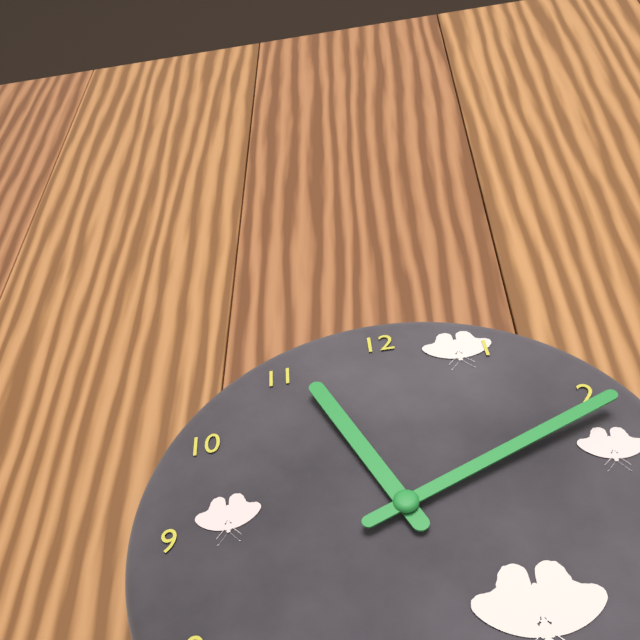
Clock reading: 11.11
